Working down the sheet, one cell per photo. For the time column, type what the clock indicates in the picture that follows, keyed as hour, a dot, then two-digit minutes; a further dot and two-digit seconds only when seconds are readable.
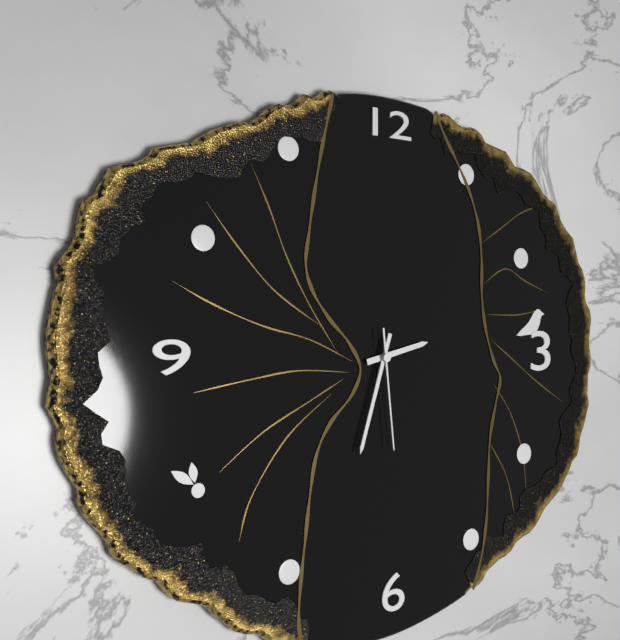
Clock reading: 2.33.29
